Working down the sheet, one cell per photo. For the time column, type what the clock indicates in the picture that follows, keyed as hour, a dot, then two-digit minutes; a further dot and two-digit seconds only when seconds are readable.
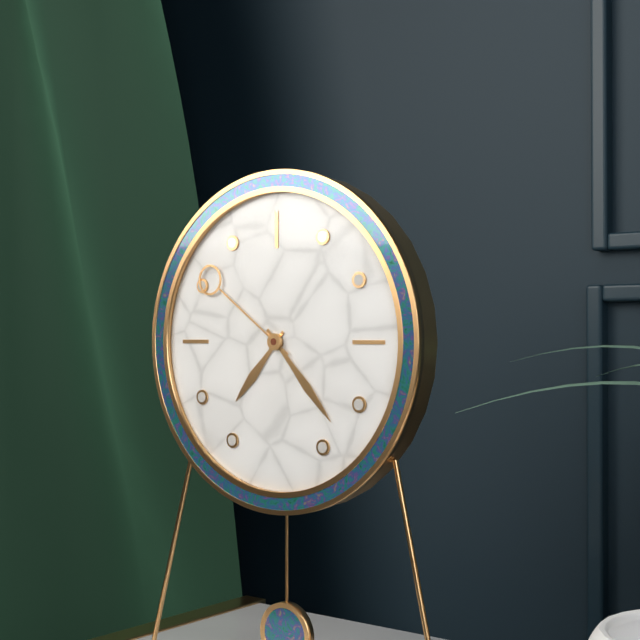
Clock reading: 7.23.51
